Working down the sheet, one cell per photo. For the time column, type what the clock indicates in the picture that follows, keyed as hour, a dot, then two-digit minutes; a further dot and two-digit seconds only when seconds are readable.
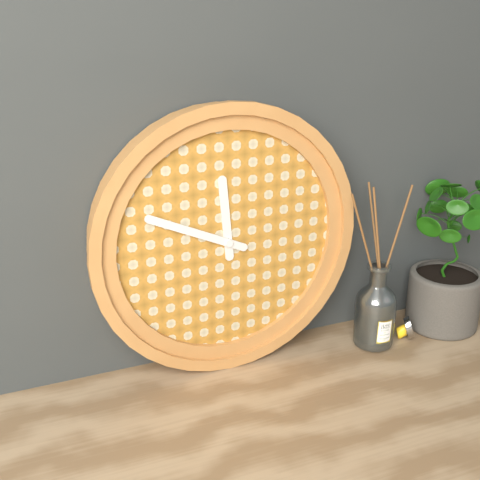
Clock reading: 11.49
